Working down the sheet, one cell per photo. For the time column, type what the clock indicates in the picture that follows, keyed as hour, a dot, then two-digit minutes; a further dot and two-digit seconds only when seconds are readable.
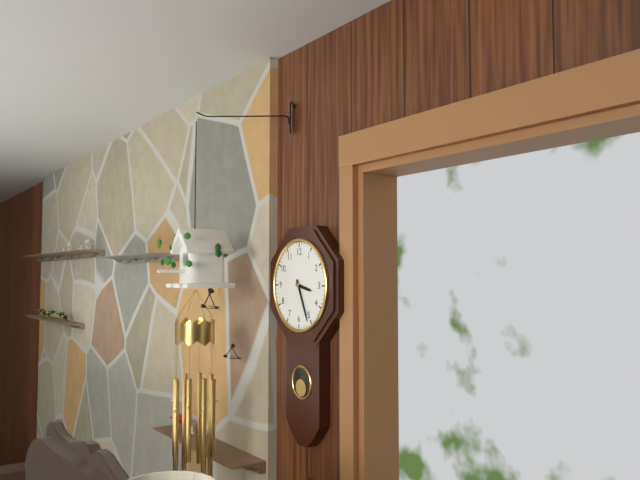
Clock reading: 3.26
